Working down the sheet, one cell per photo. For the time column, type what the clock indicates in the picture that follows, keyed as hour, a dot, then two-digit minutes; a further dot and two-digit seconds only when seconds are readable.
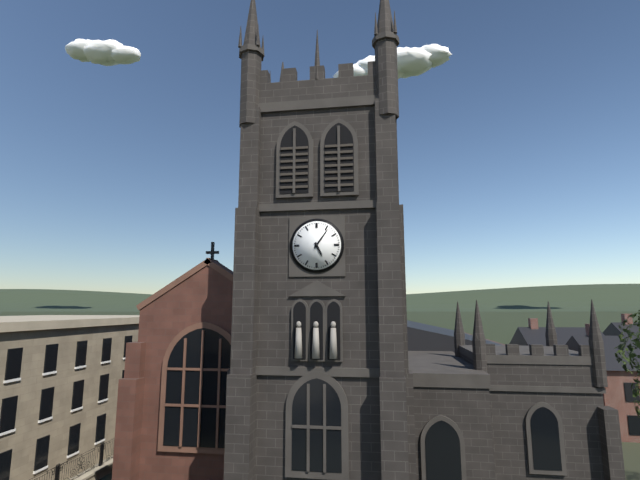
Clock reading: 5.06
